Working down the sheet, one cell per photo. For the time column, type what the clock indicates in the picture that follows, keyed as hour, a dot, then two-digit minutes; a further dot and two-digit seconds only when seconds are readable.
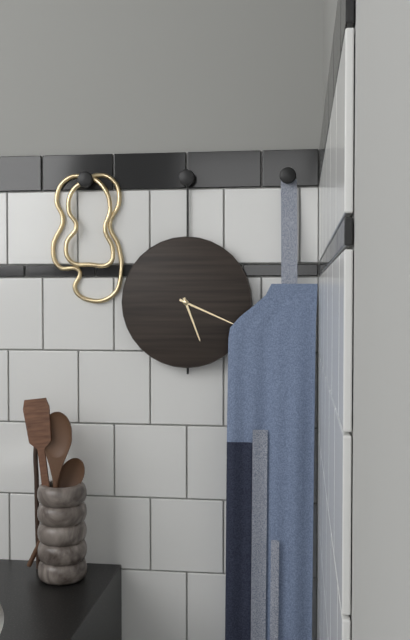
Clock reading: 5.19
